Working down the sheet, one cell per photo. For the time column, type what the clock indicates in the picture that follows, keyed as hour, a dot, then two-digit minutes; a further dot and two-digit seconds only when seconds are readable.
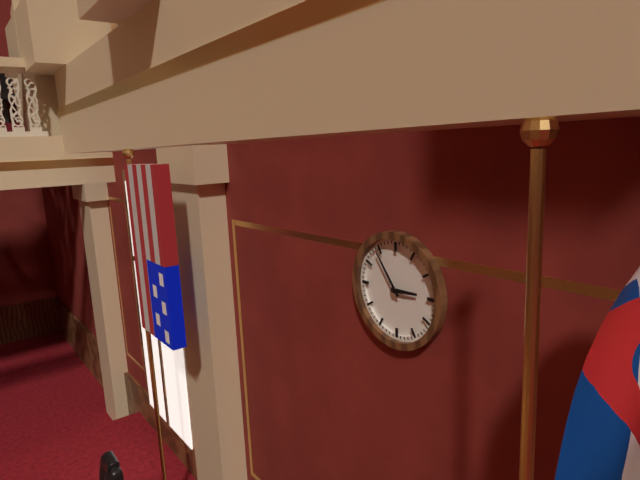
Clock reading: 2.54
